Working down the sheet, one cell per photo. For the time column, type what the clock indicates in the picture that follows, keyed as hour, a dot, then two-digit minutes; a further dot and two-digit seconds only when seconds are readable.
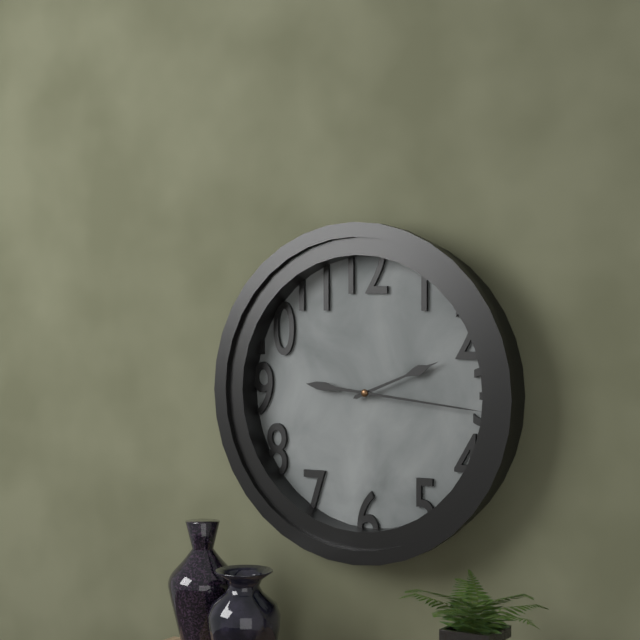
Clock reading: 2.16
